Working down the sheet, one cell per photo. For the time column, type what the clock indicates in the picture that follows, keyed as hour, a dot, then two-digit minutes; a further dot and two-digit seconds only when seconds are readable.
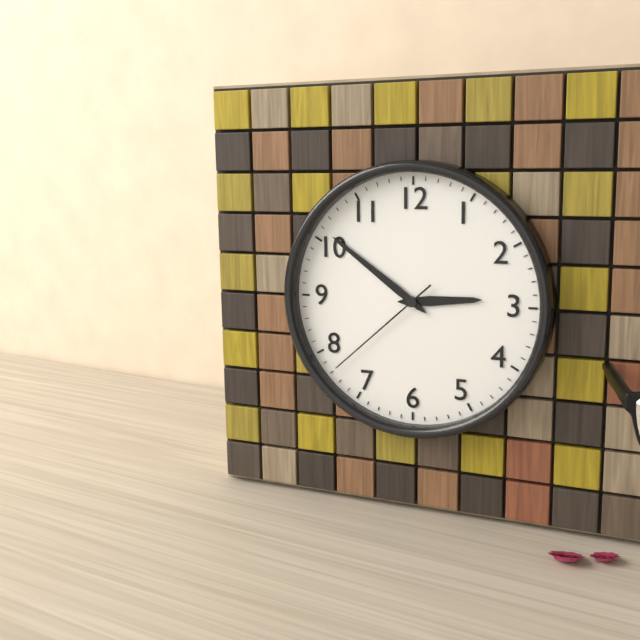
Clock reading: 2.51.38
